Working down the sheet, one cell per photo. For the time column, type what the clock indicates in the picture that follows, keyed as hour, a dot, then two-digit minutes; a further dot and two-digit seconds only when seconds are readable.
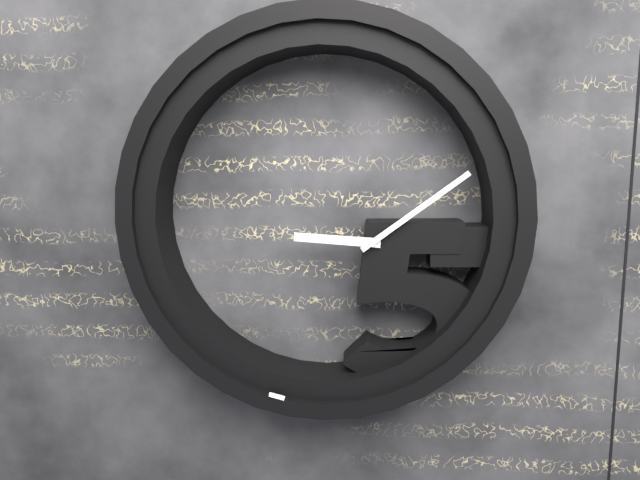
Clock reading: 9.09
